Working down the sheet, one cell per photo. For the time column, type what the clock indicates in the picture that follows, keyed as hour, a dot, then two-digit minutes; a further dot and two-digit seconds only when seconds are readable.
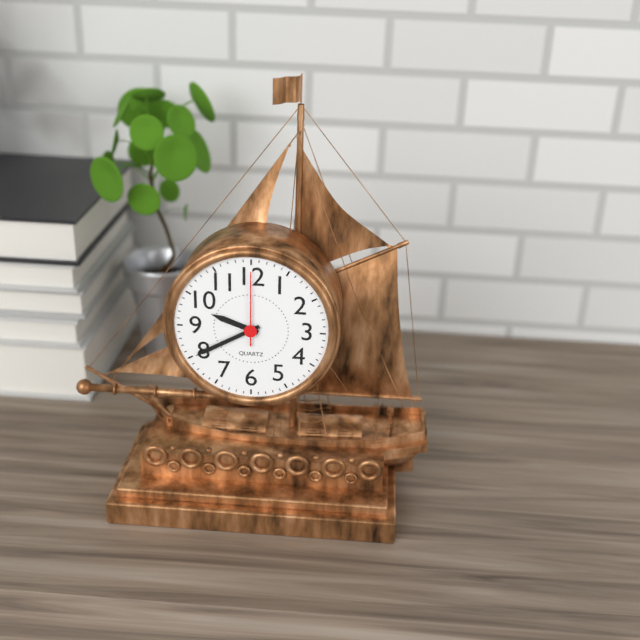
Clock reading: 9.40.00
